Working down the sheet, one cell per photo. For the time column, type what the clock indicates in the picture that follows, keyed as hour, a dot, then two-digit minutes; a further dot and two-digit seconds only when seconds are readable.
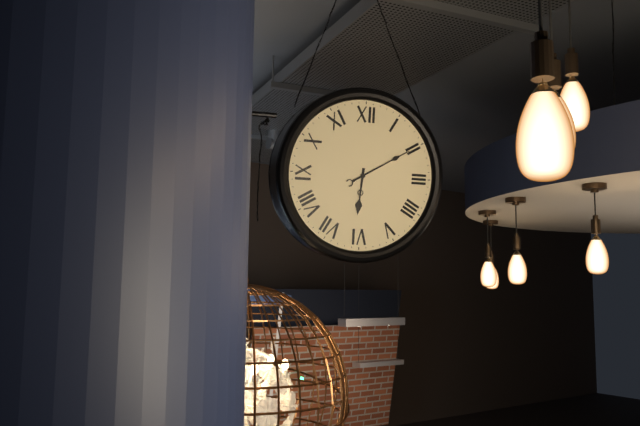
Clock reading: 6.10
